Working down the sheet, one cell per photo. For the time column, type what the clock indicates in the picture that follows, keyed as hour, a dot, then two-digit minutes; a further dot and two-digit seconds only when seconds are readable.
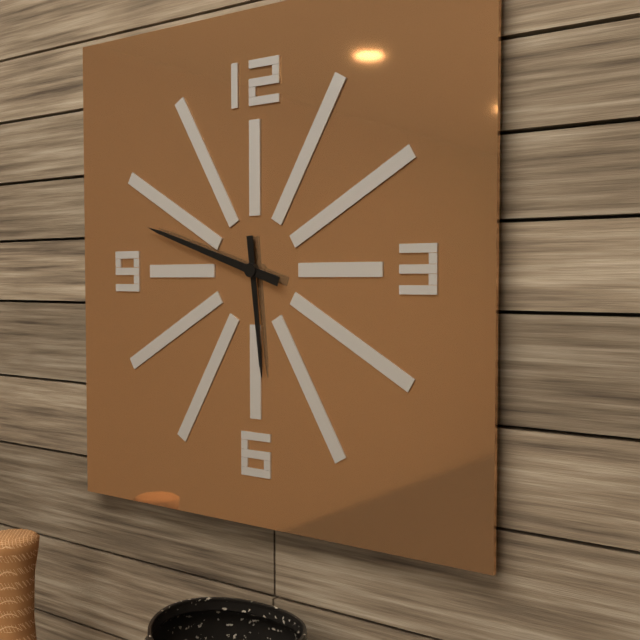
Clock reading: 5.48
